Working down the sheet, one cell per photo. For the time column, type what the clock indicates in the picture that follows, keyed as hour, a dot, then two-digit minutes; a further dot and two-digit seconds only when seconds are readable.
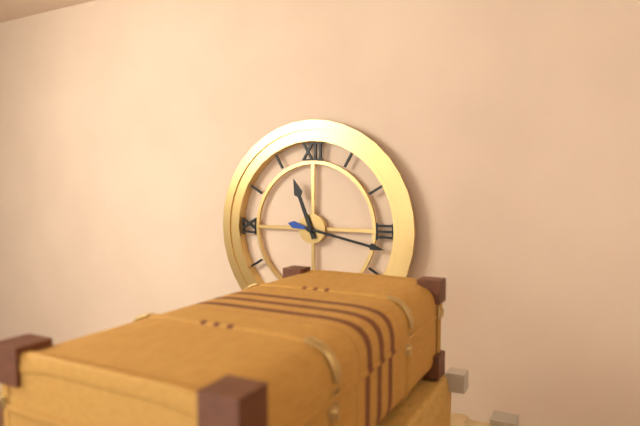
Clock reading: 11.17
